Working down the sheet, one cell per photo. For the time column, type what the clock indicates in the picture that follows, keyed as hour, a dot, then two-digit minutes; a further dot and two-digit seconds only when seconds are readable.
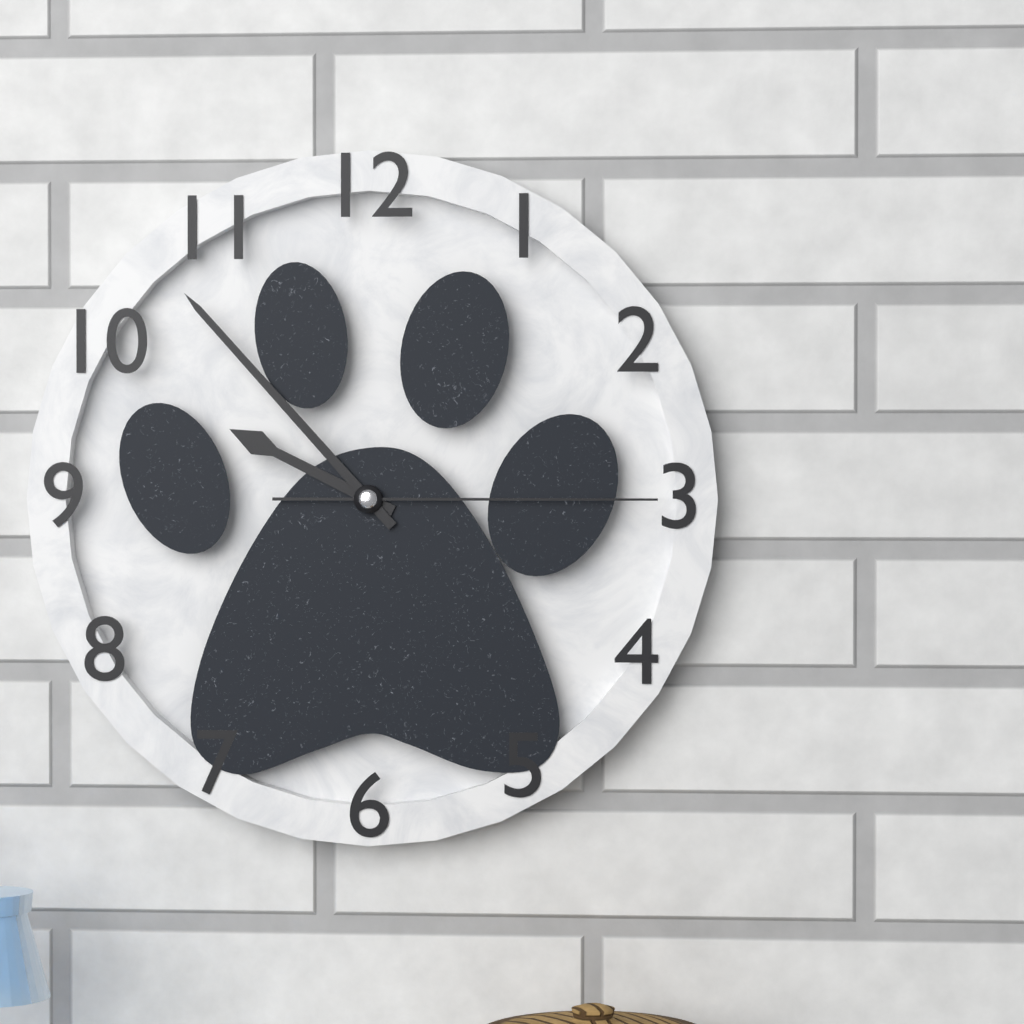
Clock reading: 9.53.15
